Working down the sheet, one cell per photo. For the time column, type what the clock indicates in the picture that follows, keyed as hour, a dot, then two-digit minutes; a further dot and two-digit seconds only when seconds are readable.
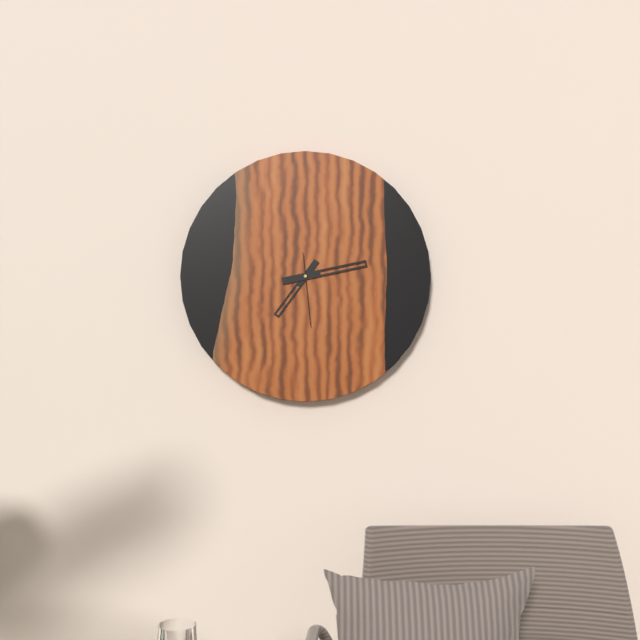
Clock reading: 7.13.29
